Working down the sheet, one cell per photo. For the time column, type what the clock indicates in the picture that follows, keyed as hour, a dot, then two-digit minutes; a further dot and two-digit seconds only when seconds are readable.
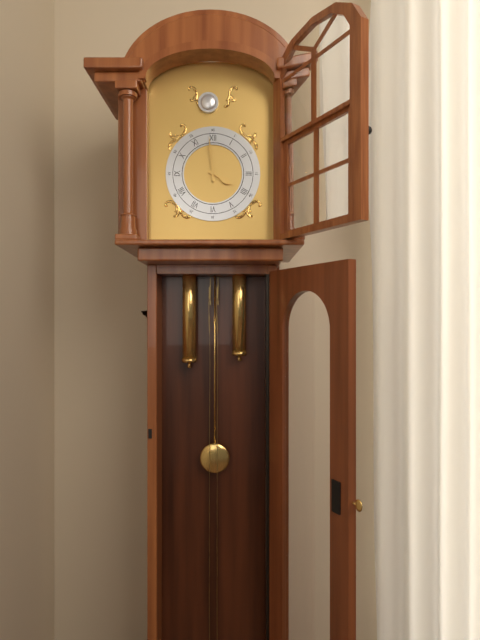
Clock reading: 3.59
